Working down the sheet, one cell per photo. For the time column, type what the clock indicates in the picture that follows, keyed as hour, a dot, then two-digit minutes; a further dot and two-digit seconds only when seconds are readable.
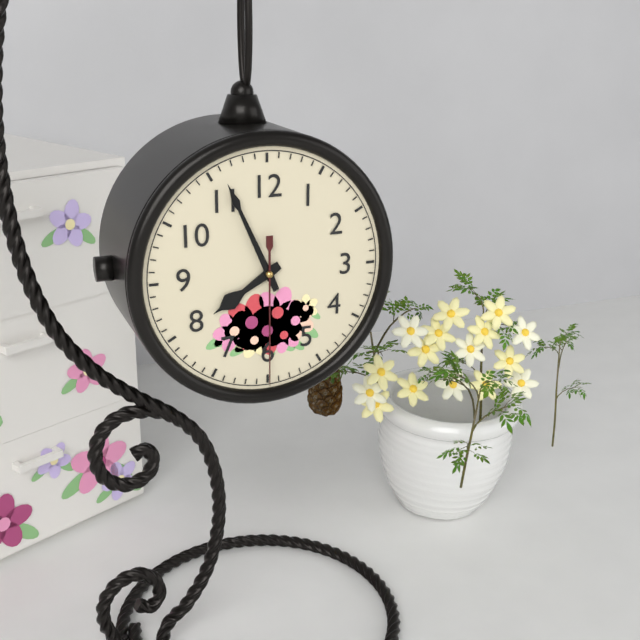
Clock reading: 7.56.30
